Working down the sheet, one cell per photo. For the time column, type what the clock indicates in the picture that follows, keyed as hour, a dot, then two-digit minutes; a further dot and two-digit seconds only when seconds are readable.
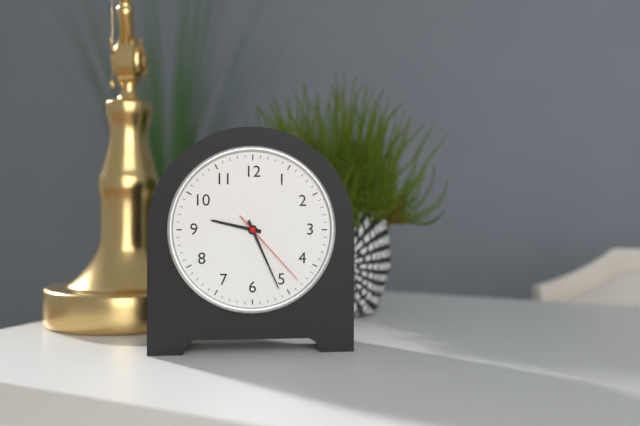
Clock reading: 9.26.23
